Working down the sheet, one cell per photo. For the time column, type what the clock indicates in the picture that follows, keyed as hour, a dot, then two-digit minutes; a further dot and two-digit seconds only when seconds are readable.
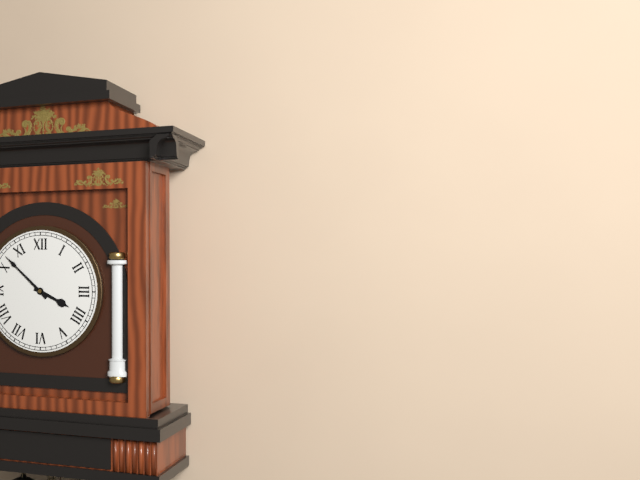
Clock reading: 3.52
